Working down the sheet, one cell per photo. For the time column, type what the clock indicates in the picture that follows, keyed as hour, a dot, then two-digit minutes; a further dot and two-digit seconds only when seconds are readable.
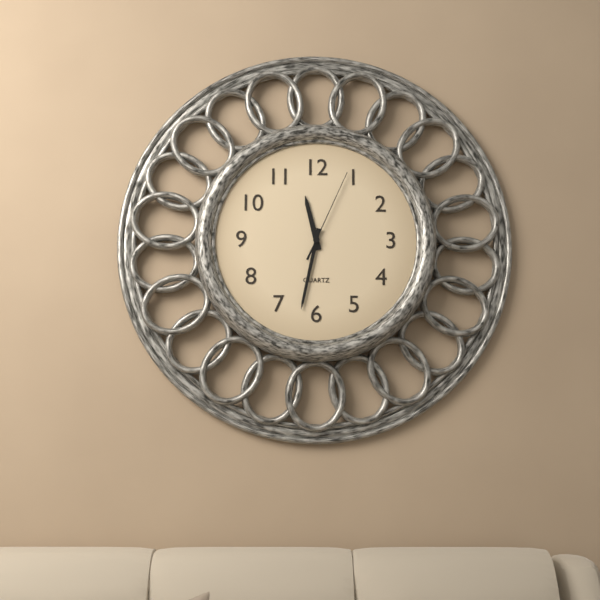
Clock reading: 11.32.04
